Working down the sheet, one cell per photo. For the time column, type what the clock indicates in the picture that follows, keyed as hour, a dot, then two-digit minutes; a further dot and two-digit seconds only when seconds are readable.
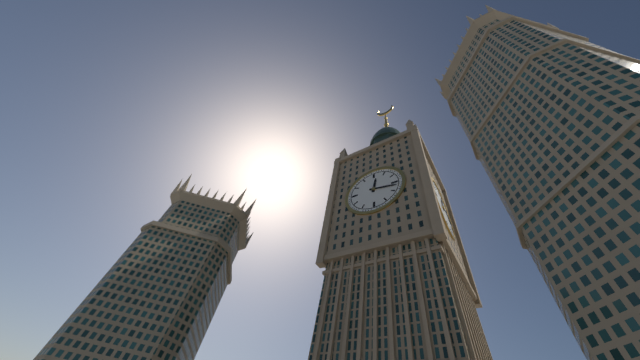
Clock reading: 12.17
